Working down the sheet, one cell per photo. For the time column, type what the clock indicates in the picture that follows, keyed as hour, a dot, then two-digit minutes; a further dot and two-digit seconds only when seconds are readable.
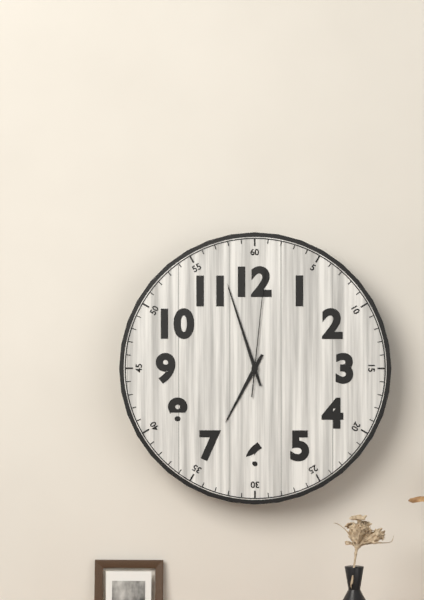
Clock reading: 6.57.01
